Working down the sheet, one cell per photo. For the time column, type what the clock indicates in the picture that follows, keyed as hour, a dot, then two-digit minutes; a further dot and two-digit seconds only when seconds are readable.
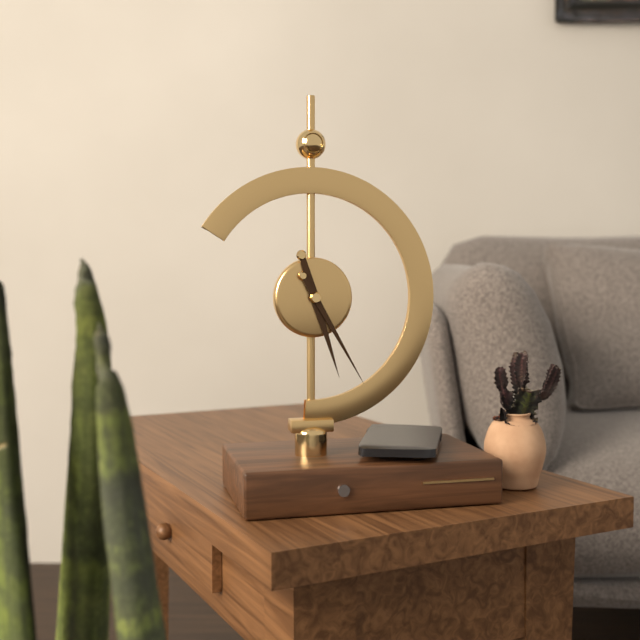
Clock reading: 5.25
